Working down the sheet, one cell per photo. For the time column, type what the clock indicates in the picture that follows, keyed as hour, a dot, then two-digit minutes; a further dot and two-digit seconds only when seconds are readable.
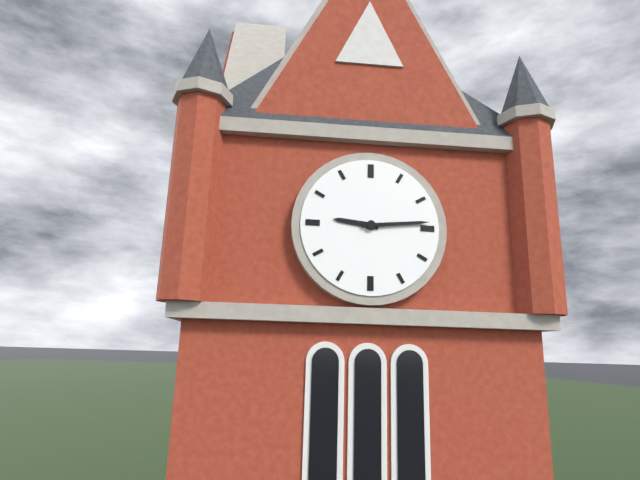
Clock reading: 9.14
